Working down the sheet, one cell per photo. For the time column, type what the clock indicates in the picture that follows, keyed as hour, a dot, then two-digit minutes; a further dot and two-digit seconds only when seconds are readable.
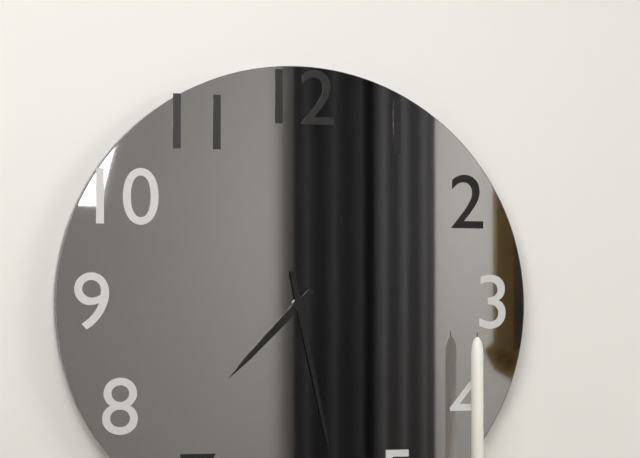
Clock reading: 7.28
